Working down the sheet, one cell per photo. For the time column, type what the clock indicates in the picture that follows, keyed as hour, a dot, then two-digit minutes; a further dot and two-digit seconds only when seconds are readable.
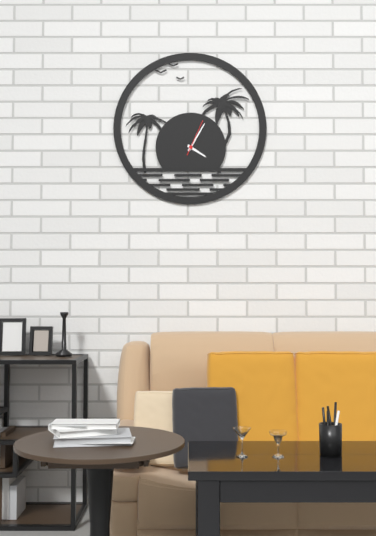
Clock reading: 4.05
